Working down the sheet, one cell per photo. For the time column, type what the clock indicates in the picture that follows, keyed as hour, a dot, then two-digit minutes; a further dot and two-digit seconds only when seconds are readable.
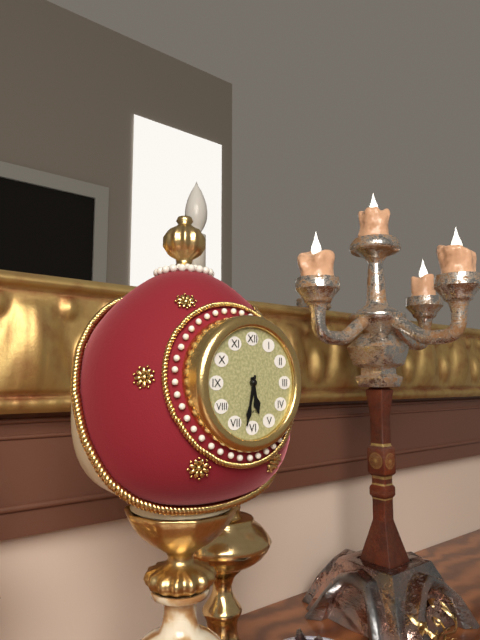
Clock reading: 5.32
